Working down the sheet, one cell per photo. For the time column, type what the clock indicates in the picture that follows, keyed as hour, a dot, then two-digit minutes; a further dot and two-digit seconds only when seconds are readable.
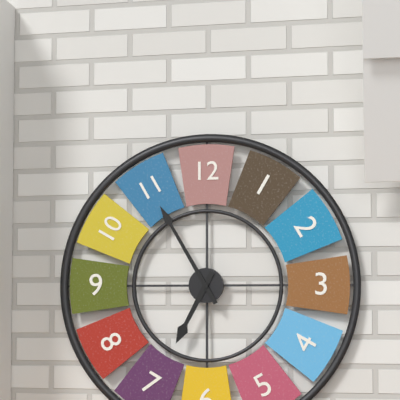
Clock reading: 6.55
